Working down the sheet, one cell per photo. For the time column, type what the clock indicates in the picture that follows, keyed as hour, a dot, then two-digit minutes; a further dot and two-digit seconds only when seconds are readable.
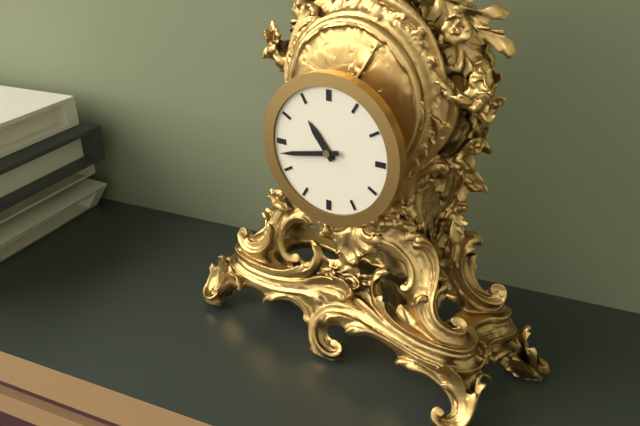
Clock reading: 10.43
